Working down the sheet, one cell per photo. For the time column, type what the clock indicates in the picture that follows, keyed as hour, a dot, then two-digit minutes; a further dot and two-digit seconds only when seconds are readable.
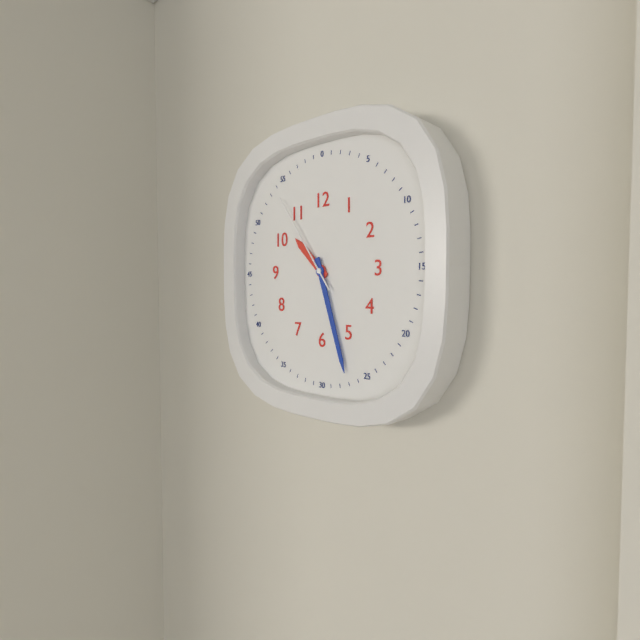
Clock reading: 10.27.54
